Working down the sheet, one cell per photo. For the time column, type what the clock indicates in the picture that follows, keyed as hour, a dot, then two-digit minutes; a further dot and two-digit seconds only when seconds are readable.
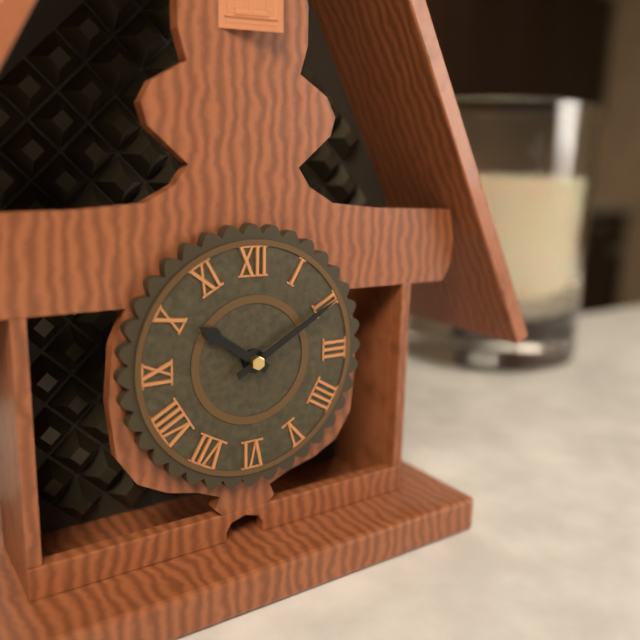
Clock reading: 10.10
